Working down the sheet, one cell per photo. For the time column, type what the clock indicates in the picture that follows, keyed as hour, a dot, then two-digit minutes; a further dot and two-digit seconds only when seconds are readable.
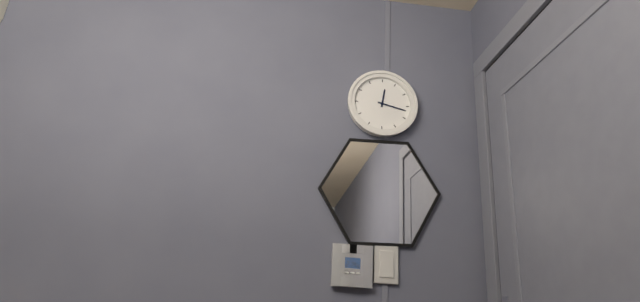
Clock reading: 12.17
